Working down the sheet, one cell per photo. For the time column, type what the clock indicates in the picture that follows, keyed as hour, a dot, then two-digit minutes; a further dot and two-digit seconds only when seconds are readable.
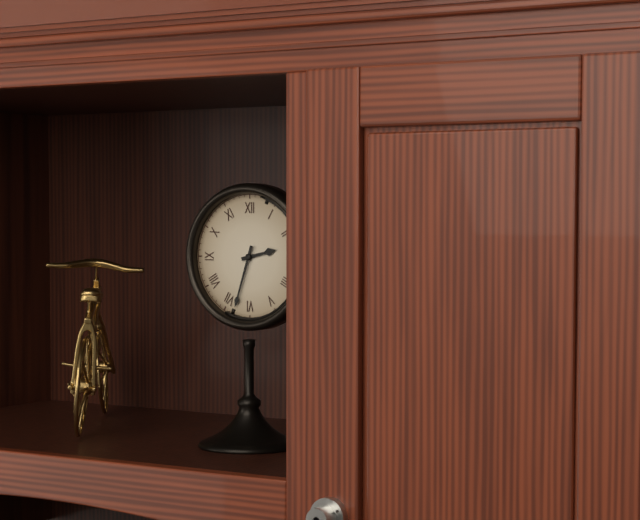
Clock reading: 2.33
